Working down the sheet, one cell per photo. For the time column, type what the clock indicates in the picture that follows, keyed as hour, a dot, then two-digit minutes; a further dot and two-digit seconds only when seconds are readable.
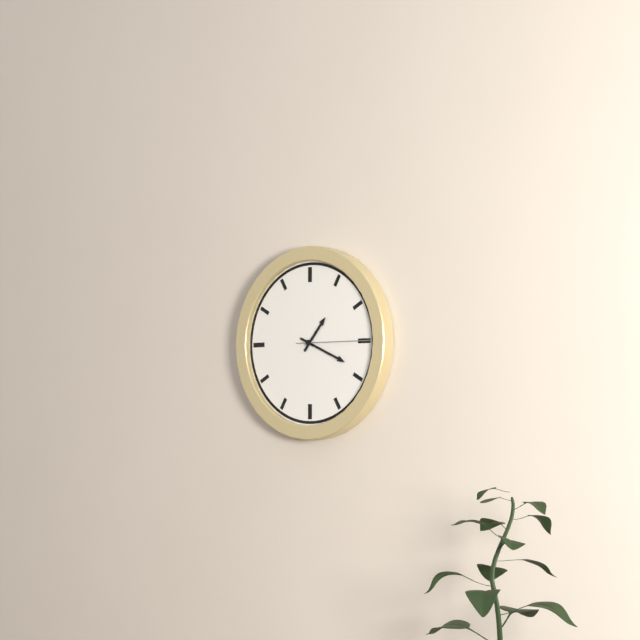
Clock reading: 1.19.15
